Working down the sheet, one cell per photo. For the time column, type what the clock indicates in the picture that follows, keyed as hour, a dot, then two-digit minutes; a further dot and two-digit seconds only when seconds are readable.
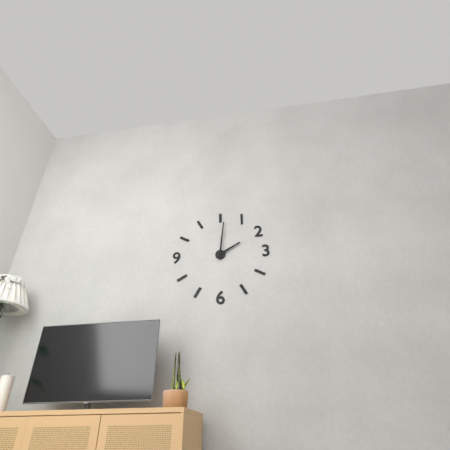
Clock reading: 2.01
